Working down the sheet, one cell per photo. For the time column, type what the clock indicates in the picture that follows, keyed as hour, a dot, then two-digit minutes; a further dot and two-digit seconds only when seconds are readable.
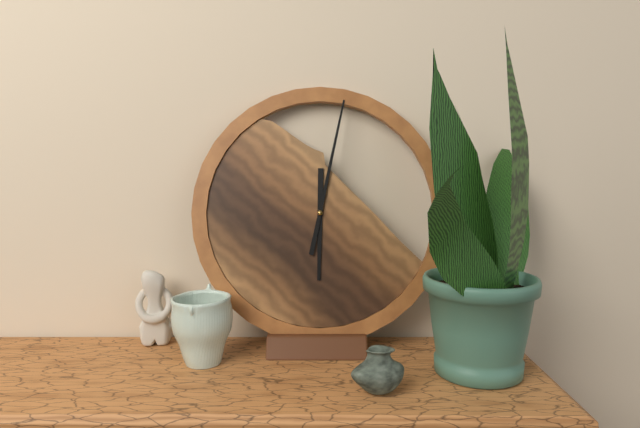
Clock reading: 6.02
